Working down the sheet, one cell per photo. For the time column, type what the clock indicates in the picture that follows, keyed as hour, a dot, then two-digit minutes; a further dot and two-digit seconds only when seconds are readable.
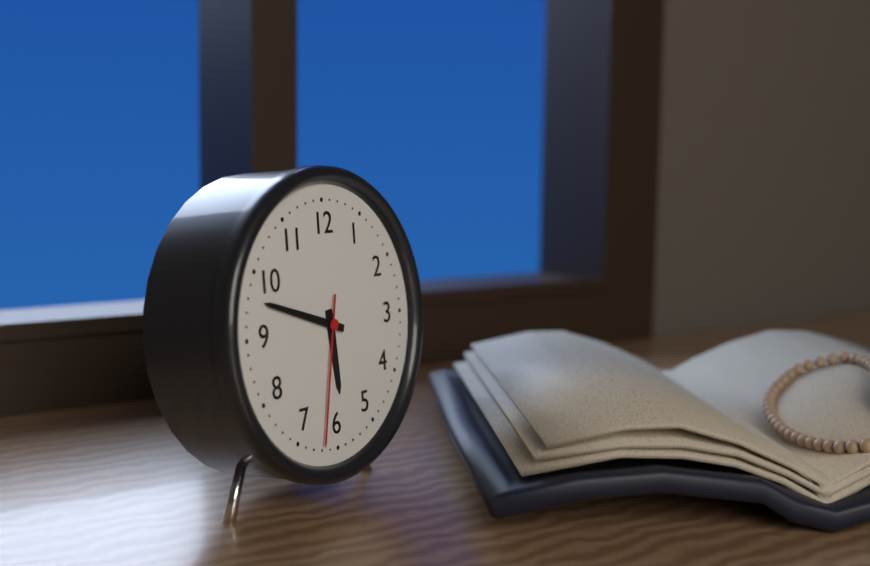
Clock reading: 5.48.32
